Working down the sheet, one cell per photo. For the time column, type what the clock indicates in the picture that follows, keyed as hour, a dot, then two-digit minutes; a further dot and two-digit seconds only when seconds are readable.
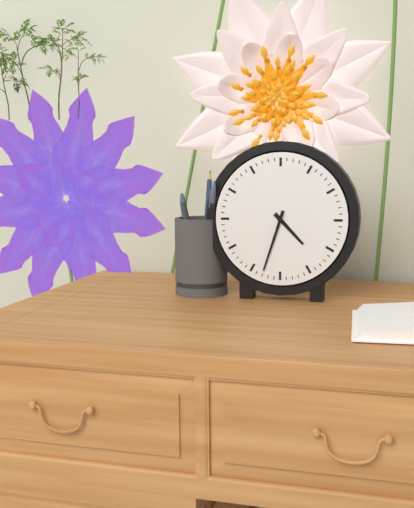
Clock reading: 4.33
